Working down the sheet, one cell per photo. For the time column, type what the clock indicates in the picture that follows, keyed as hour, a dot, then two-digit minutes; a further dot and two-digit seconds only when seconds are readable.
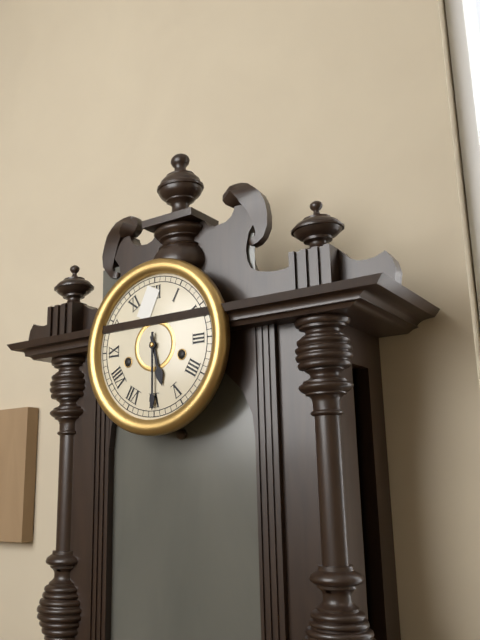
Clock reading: 5.30
